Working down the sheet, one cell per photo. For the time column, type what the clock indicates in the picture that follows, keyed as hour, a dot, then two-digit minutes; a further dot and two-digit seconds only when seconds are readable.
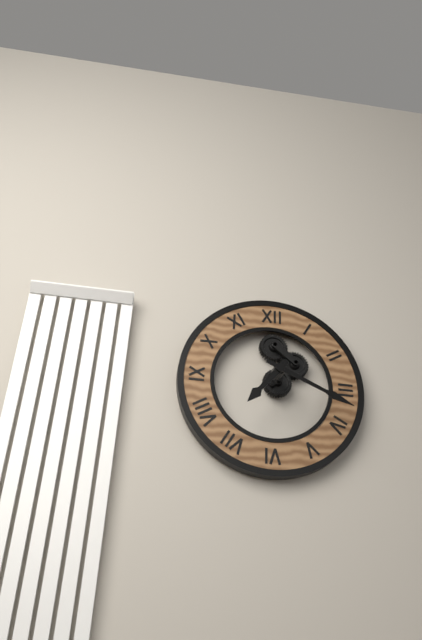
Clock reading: 7.19
